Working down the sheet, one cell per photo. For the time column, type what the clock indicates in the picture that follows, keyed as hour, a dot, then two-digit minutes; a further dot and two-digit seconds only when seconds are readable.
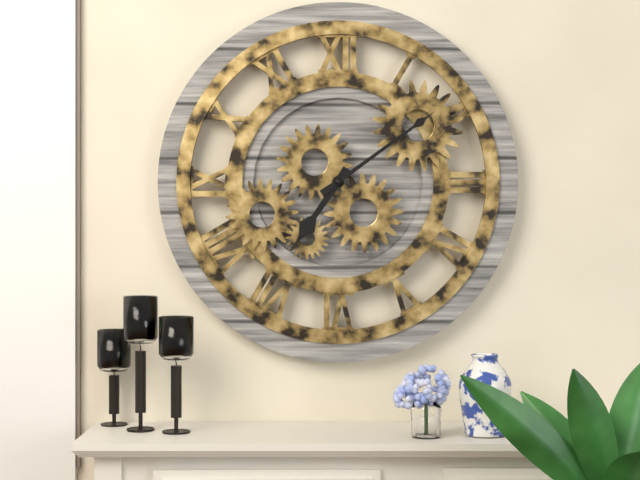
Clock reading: 7.09
